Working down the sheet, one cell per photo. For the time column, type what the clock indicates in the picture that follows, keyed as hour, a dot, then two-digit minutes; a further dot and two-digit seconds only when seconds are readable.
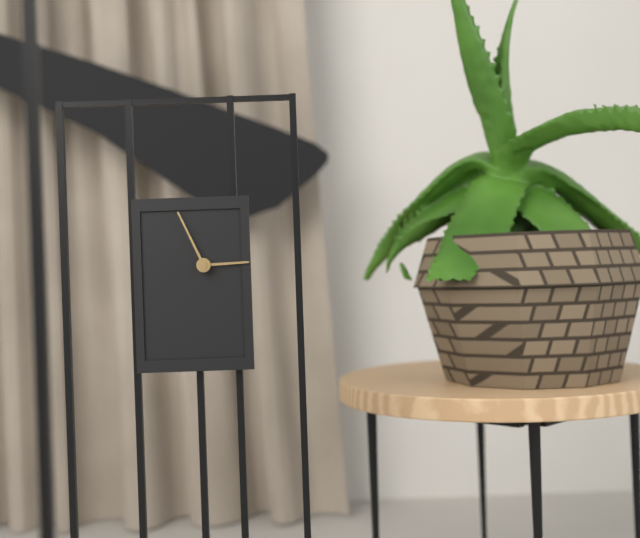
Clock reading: 2.56
